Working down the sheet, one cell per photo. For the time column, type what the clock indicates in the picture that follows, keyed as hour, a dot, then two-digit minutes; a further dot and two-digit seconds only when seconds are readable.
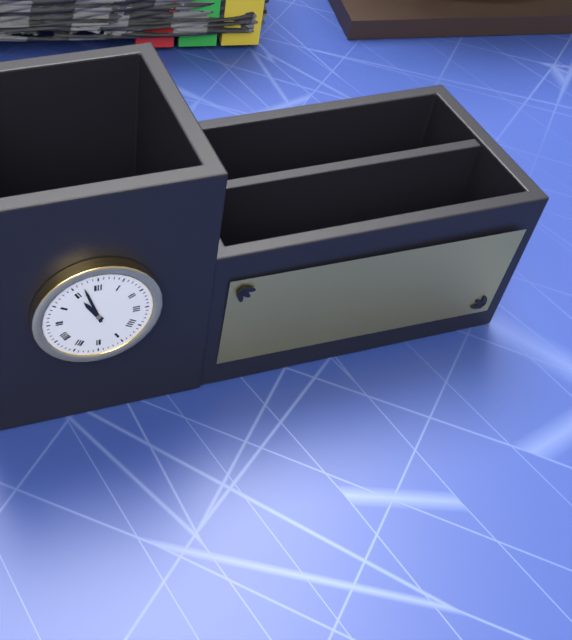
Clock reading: 10.57
